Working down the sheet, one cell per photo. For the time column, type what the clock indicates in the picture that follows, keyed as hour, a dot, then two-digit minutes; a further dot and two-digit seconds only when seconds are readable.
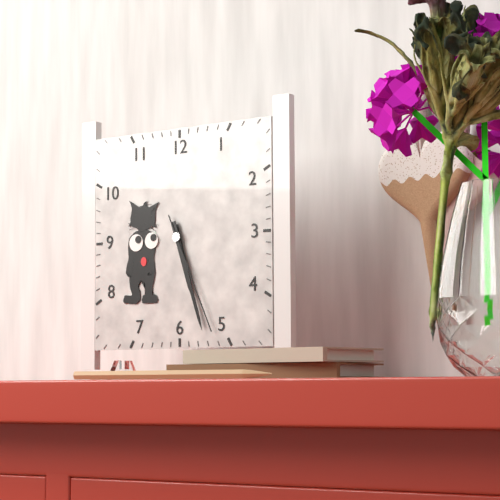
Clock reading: 5.27.26
